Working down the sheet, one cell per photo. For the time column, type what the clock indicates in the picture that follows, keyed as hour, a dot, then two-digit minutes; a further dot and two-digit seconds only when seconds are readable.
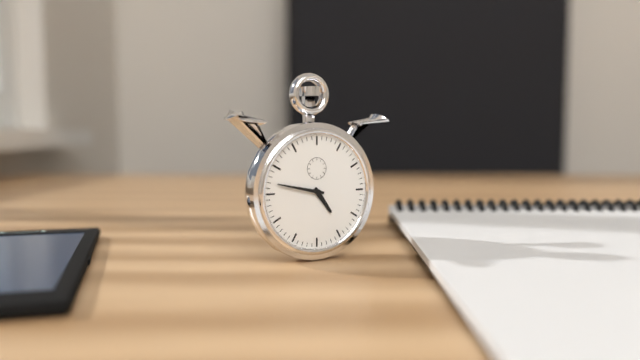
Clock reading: 4.47
